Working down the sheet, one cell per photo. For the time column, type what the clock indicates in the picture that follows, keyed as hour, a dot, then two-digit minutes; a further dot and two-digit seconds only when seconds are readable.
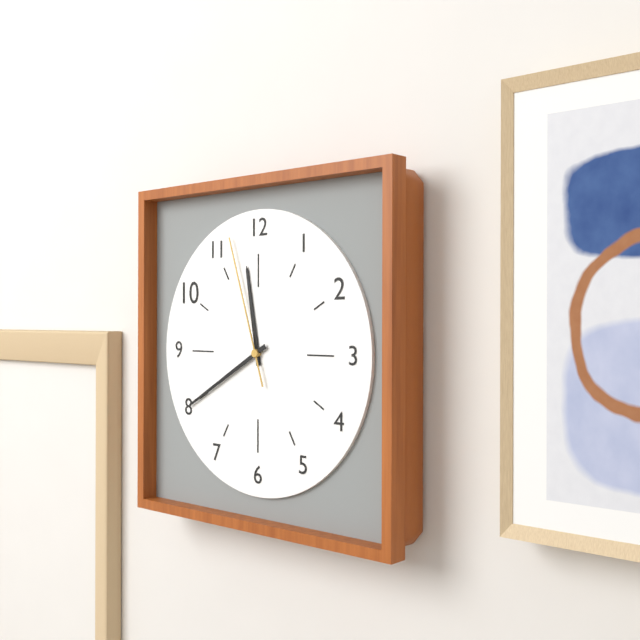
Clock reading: 11.40.57
